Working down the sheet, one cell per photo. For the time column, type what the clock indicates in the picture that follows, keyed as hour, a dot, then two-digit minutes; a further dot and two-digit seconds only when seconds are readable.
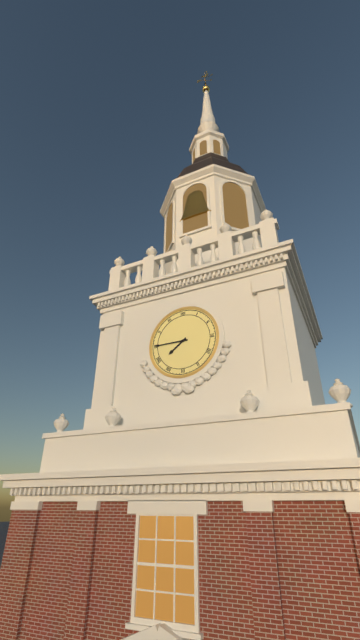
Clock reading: 7.45
